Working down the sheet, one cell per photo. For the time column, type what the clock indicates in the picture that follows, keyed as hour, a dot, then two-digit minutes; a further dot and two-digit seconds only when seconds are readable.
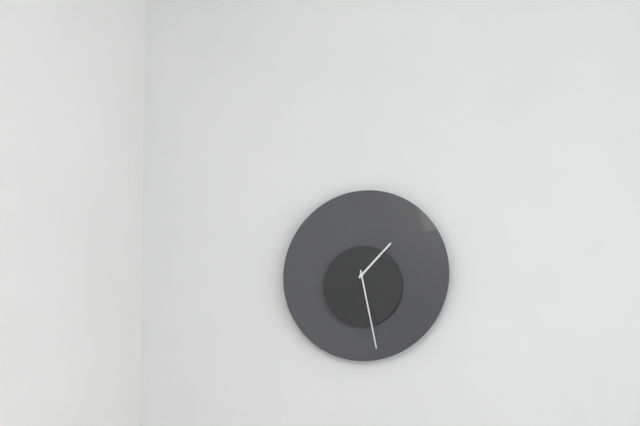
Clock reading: 1.28
